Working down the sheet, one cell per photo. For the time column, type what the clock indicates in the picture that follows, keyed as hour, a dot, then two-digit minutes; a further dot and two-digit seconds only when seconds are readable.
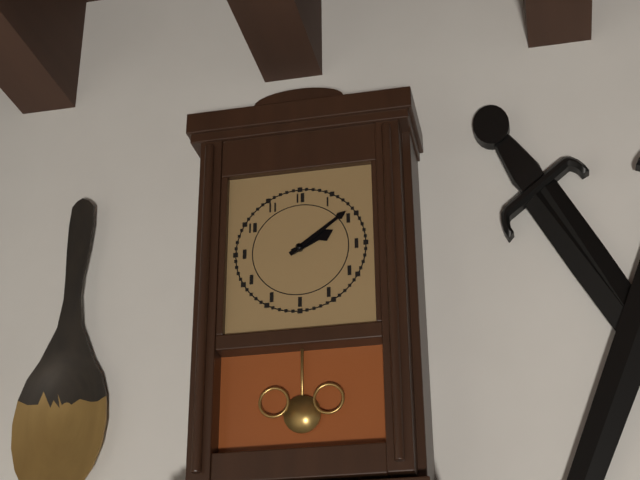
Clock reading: 2.09
